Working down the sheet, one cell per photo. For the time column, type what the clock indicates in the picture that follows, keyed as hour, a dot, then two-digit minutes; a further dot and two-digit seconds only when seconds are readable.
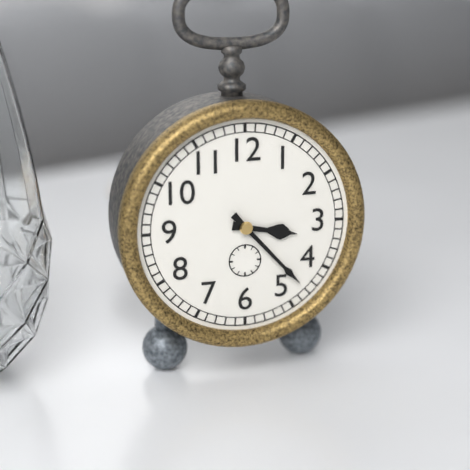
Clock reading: 3.23
